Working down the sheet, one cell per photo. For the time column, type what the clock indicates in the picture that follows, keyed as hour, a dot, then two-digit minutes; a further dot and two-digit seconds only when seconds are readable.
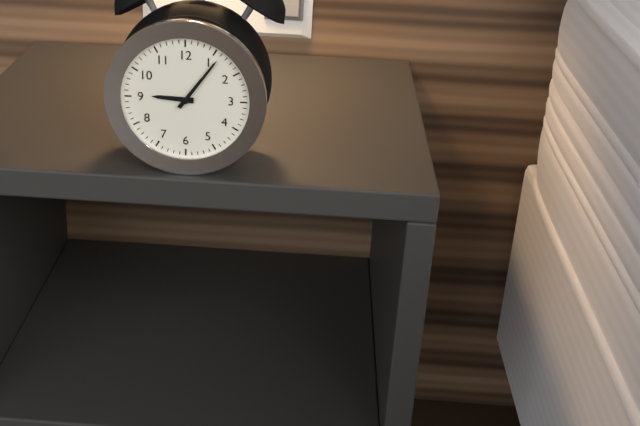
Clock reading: 9.06
